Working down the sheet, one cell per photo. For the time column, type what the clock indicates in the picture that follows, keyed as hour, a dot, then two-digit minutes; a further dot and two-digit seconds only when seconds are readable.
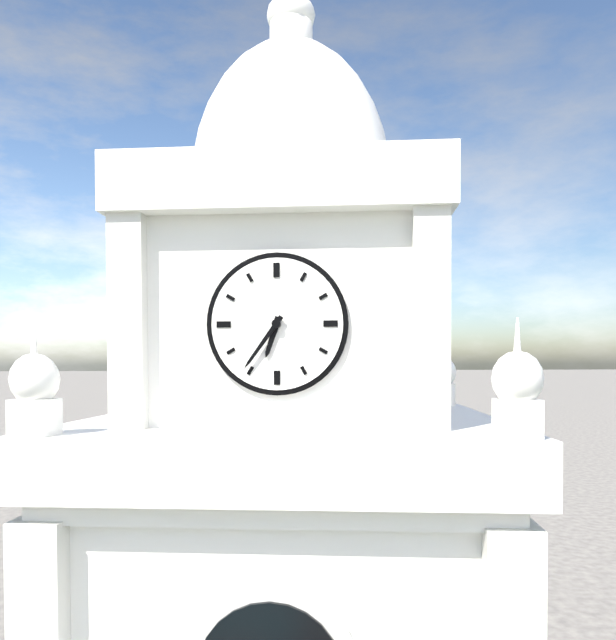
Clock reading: 6.36
